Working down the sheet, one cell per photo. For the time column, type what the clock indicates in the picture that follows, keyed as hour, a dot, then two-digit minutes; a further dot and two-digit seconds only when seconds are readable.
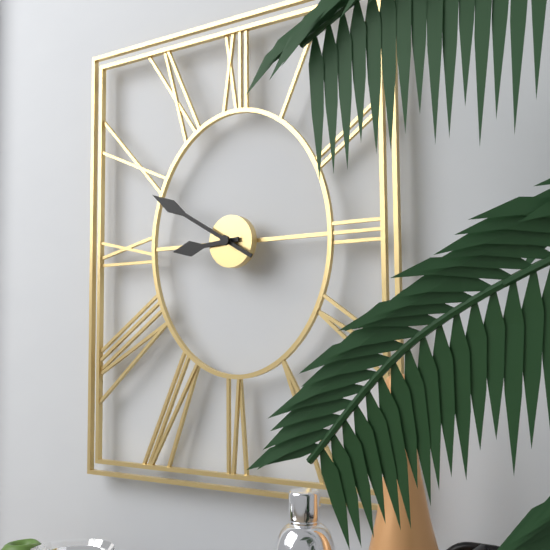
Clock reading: 8.50
